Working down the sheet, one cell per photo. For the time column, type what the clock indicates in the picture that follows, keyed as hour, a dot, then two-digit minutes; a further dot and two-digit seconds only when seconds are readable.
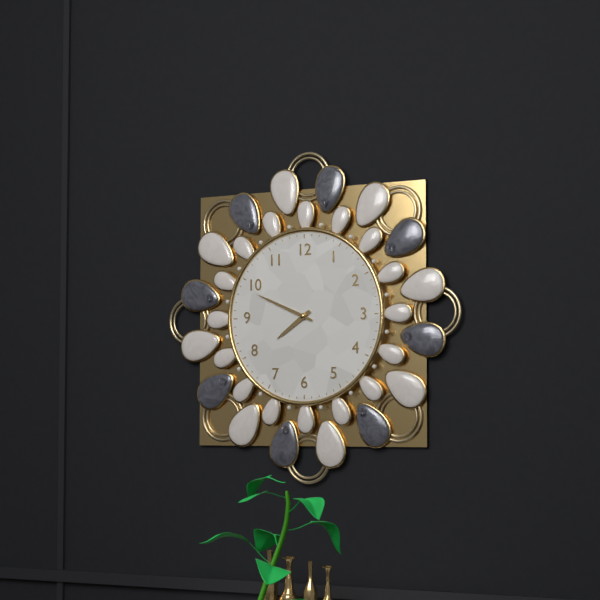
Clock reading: 7.49
